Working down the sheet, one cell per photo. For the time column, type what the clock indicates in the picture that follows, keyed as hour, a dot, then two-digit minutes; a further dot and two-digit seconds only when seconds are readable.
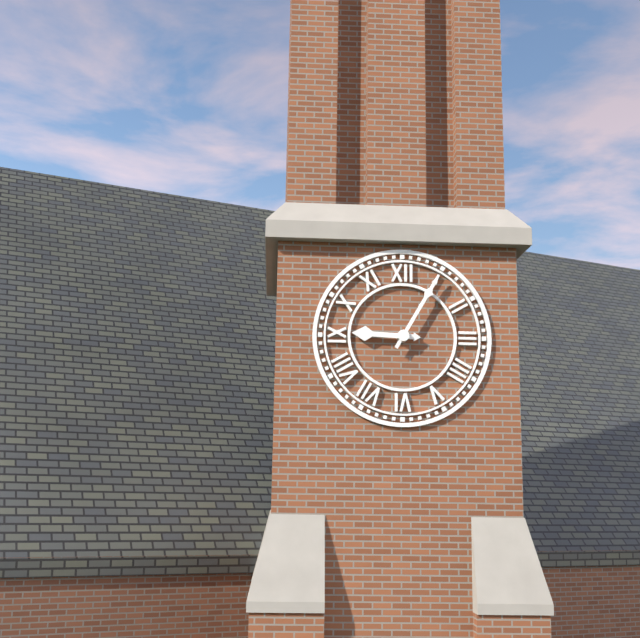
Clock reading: 9.05
